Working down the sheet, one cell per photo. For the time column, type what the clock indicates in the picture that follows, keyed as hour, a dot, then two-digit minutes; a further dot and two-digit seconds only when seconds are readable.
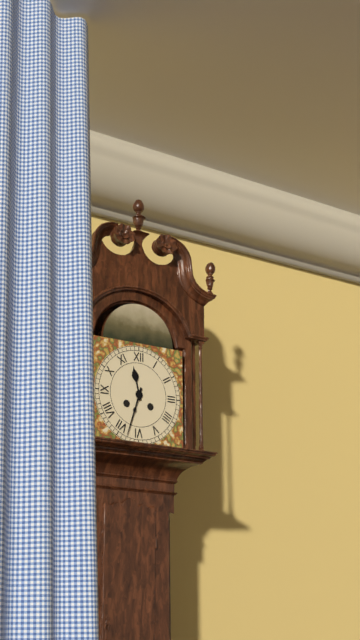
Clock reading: 11.33
